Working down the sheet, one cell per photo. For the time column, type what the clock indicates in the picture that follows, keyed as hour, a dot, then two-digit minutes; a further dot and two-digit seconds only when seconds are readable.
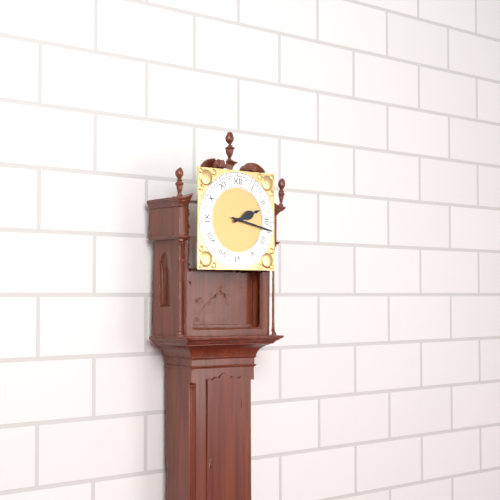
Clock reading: 2.17
